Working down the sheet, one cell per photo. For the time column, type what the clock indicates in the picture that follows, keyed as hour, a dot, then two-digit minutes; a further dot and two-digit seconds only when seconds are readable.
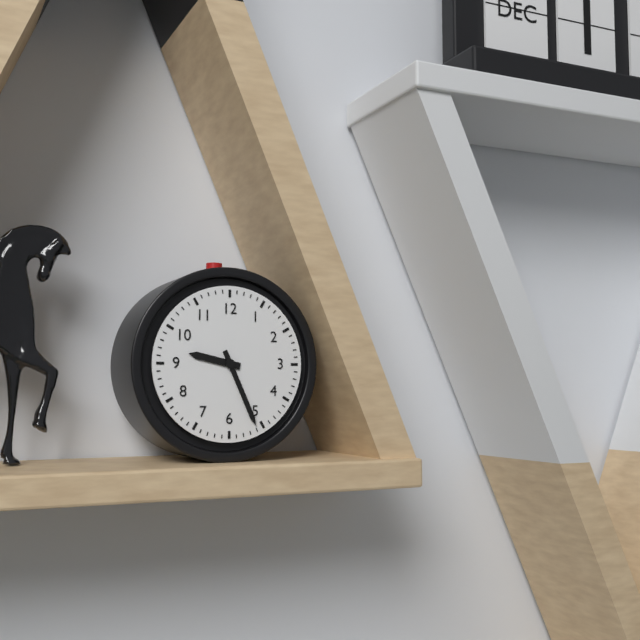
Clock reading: 9.26
